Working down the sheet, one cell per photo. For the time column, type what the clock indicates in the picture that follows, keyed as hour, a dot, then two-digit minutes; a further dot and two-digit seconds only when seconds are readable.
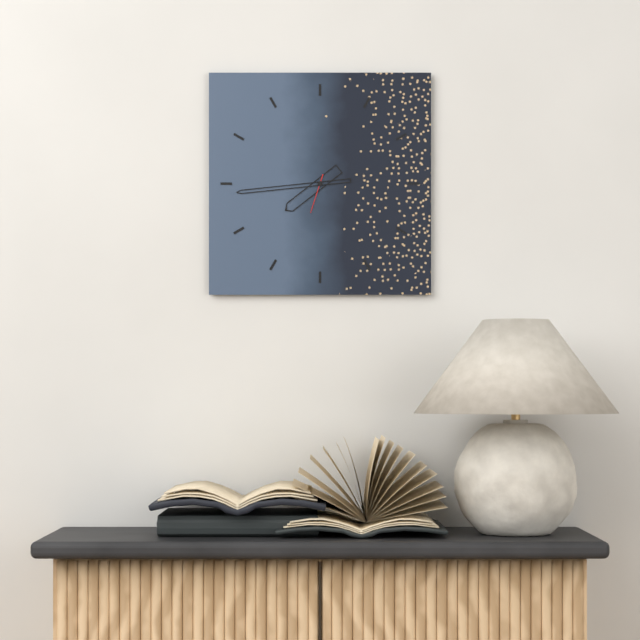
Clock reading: 7.44
